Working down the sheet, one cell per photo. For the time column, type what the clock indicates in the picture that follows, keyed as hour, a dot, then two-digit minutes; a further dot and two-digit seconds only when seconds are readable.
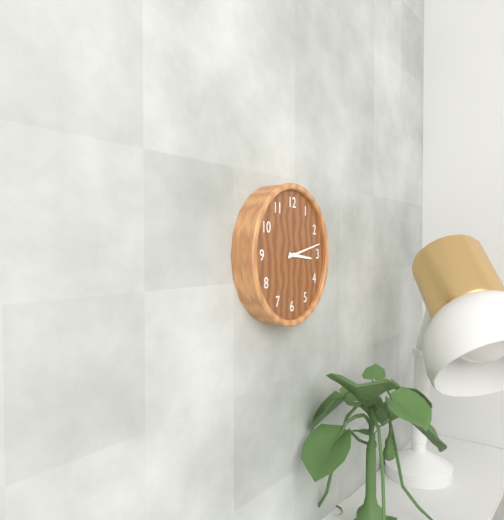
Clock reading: 3.13
